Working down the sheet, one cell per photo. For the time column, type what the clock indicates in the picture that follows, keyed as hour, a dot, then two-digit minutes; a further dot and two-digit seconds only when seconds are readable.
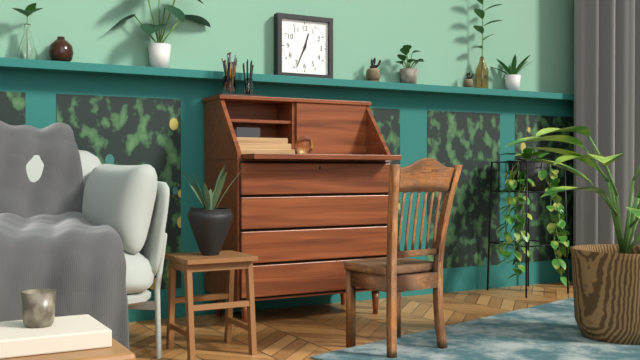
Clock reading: 12.34
